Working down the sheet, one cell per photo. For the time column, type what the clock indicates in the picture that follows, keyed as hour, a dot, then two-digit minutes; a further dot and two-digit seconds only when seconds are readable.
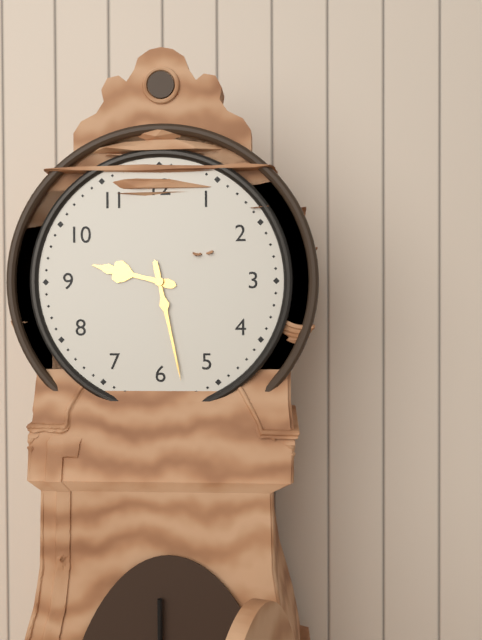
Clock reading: 9.28
